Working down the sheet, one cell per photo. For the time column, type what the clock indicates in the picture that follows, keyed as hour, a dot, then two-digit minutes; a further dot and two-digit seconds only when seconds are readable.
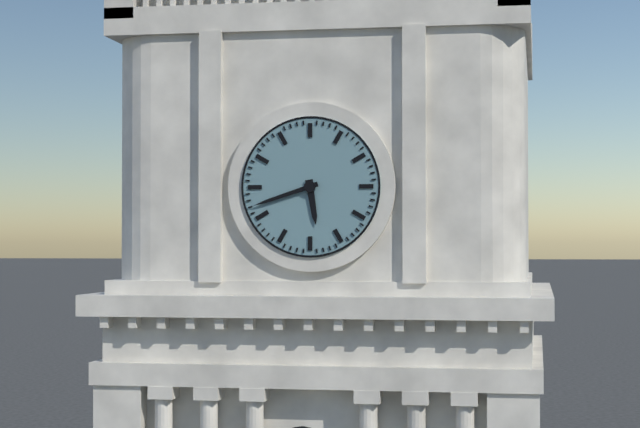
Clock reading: 5.42
